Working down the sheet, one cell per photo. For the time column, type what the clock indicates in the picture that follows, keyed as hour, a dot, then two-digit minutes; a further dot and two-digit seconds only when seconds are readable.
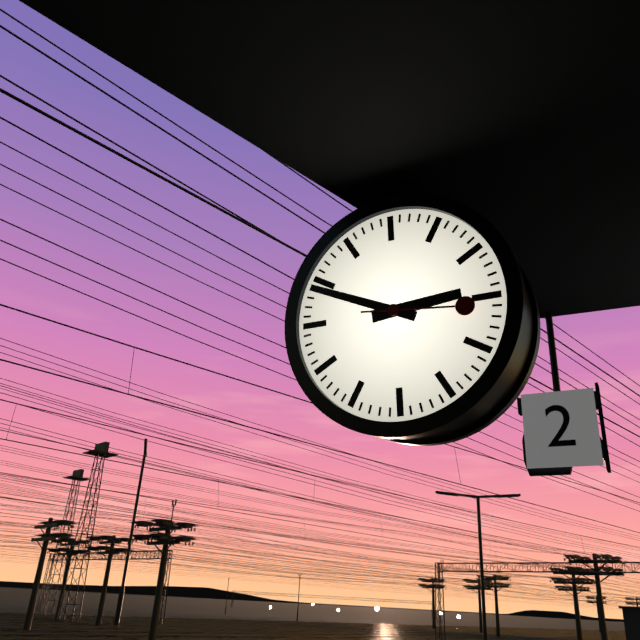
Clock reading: 2.49.16
